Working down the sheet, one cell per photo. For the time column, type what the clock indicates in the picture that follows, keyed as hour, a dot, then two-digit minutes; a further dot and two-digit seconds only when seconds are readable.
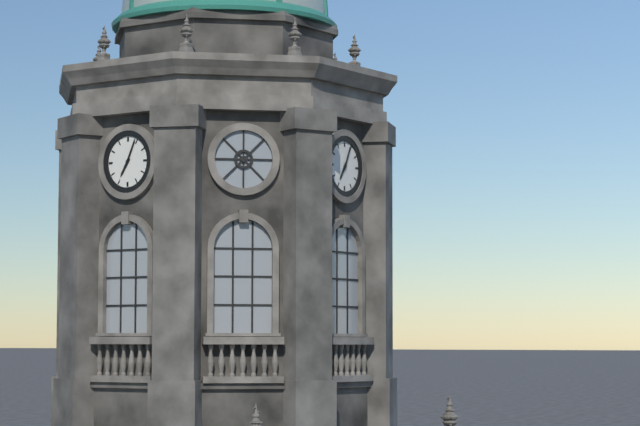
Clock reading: 7.04
